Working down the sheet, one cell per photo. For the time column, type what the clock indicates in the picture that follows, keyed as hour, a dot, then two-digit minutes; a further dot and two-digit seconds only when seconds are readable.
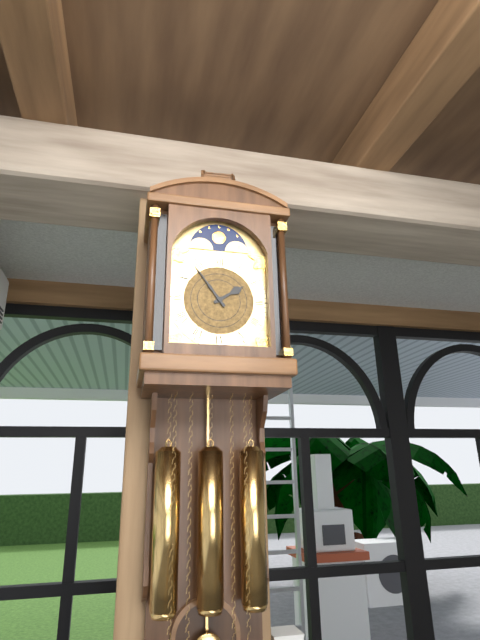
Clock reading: 1.54
